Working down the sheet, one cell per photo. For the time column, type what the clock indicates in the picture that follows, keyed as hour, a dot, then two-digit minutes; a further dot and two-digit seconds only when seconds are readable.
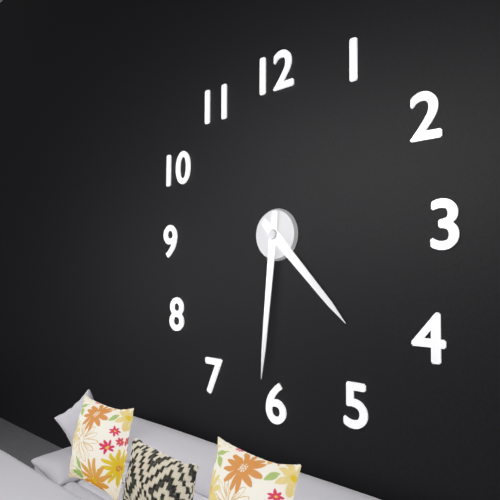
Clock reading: 4.31
